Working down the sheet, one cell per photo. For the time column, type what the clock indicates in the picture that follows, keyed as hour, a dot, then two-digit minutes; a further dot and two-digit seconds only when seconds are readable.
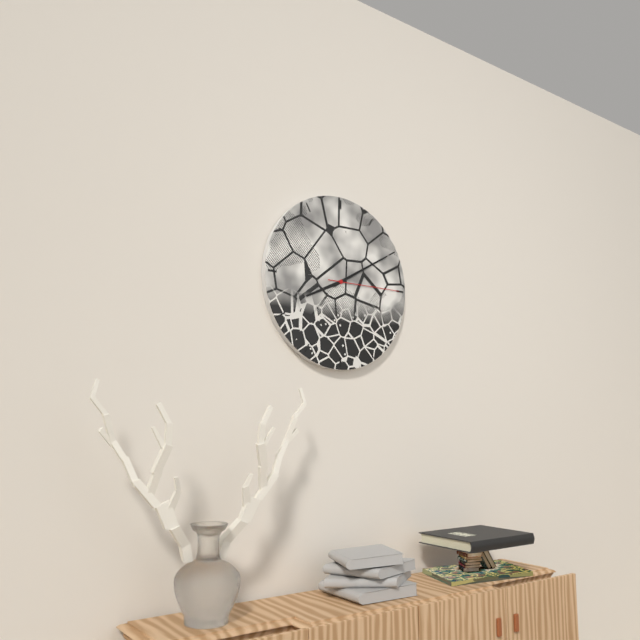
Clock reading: 8.10.15
